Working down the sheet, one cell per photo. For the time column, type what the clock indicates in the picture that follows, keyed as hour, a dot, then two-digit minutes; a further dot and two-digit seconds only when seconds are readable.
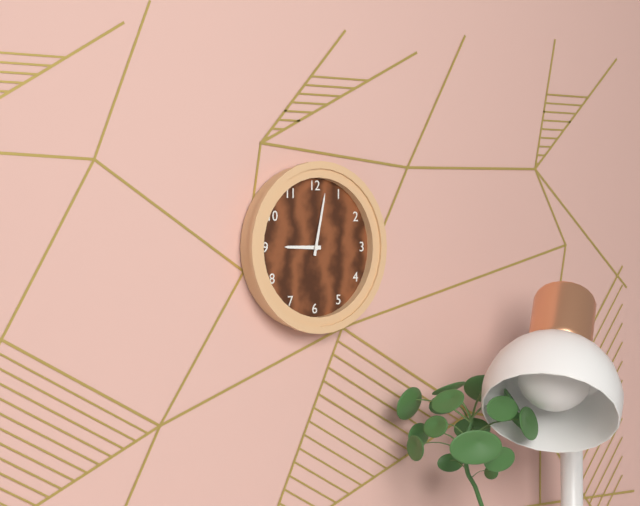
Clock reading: 9.02
